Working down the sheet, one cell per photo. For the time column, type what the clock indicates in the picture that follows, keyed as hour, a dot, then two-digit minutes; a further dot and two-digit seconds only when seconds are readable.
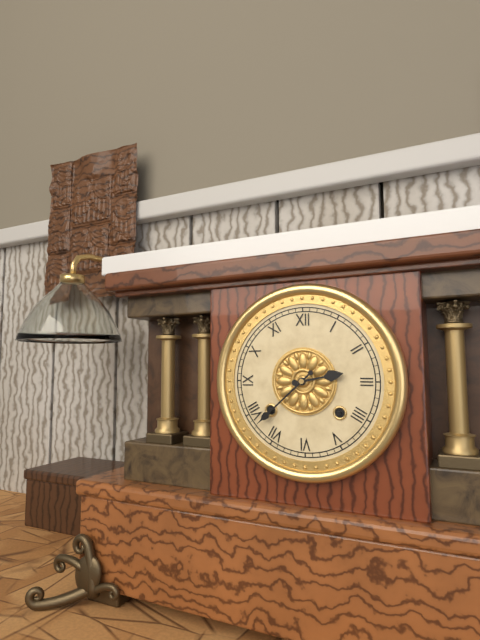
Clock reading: 2.38
